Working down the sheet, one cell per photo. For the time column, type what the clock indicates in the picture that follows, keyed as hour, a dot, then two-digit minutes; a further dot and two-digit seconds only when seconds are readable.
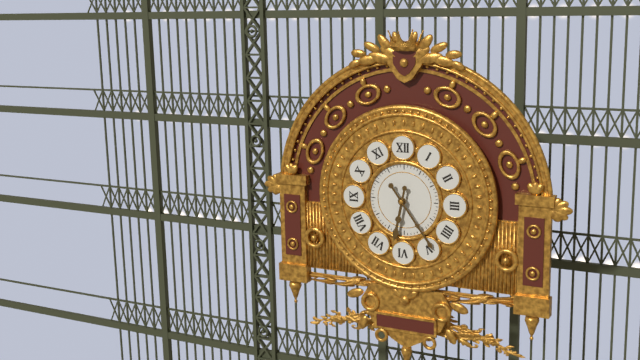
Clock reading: 6.24
